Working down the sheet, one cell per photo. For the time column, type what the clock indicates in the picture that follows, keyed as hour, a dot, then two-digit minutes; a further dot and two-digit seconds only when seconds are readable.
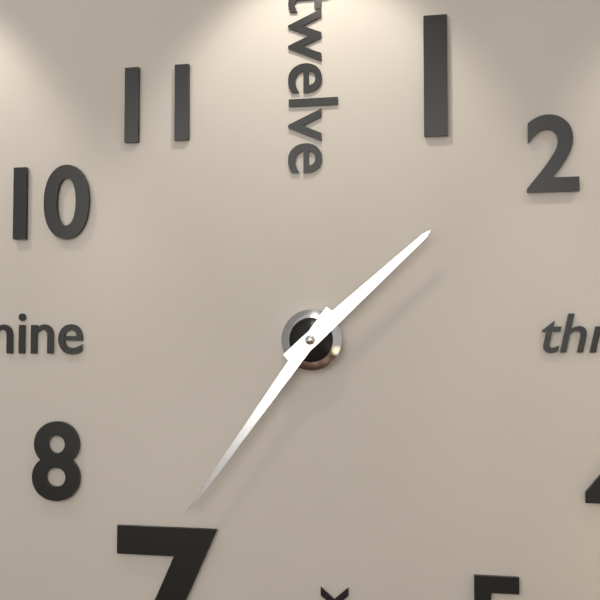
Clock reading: 1.36
